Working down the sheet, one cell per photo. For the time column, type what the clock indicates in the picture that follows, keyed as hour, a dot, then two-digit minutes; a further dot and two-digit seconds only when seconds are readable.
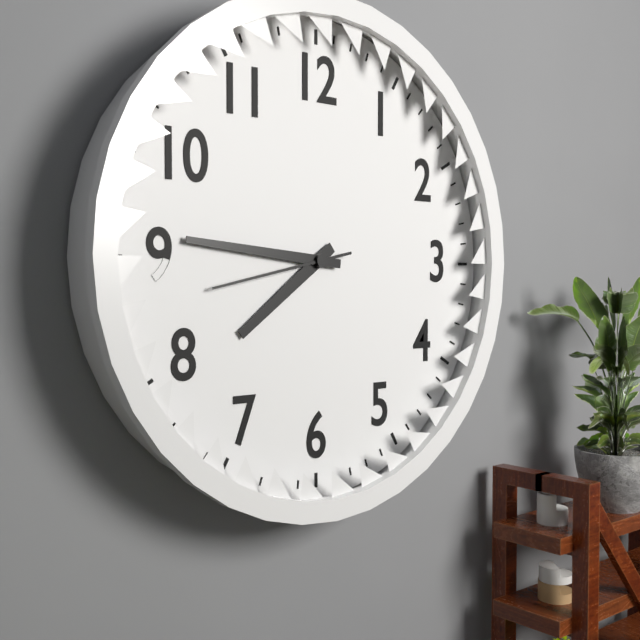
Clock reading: 7.46.43
